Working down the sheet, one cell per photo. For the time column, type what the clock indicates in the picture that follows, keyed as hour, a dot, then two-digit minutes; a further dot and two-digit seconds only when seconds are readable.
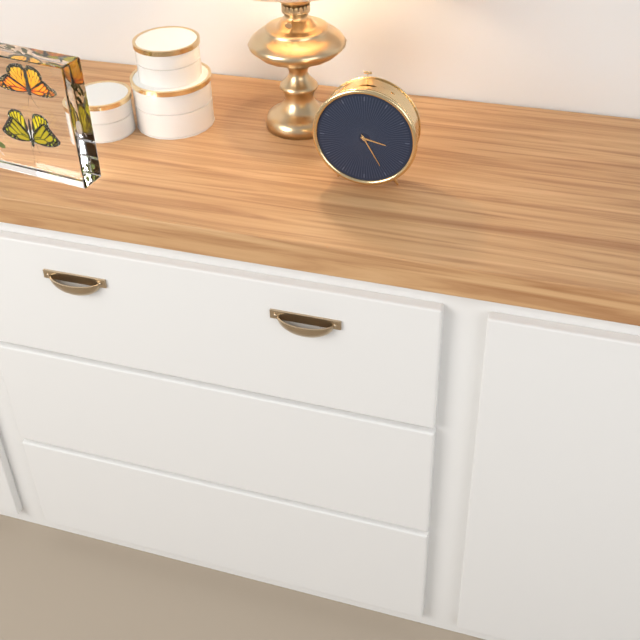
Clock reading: 3.25
